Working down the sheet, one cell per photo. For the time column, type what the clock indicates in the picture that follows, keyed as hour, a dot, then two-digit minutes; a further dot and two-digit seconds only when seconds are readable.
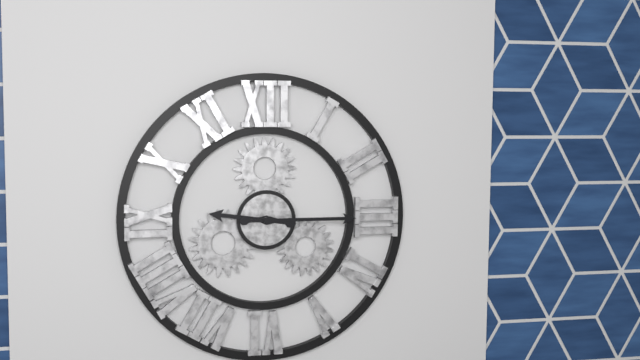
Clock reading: 9.15
